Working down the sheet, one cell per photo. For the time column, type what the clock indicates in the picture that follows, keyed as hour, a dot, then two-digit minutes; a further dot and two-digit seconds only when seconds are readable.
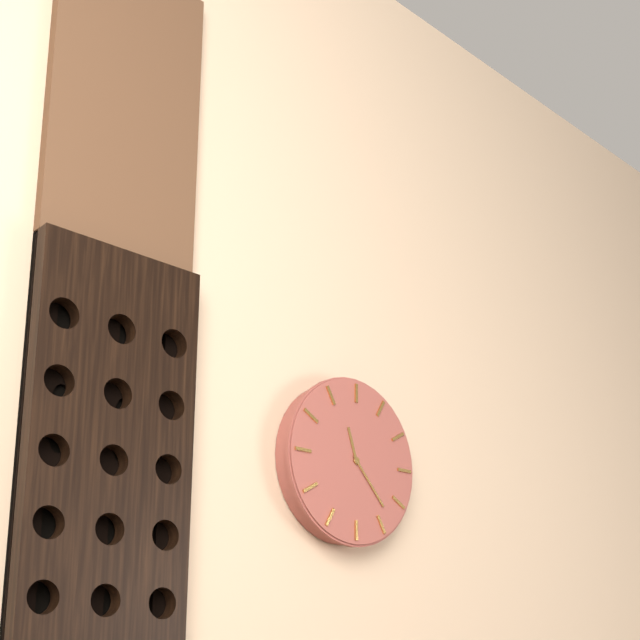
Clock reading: 11.23
